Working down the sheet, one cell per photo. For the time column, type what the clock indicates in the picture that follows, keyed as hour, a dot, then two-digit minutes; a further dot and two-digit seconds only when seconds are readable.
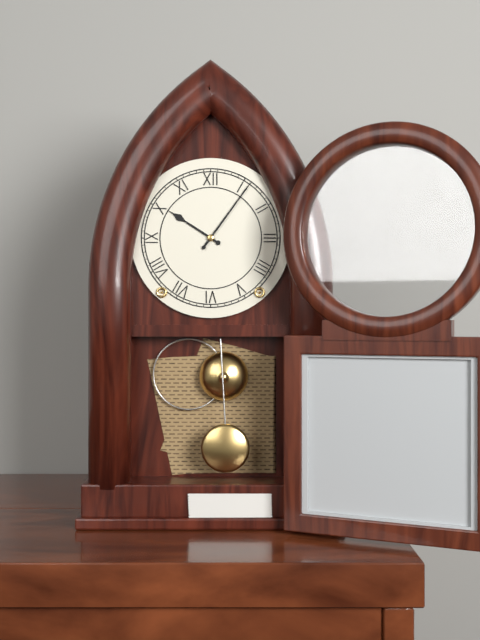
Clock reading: 10.06
